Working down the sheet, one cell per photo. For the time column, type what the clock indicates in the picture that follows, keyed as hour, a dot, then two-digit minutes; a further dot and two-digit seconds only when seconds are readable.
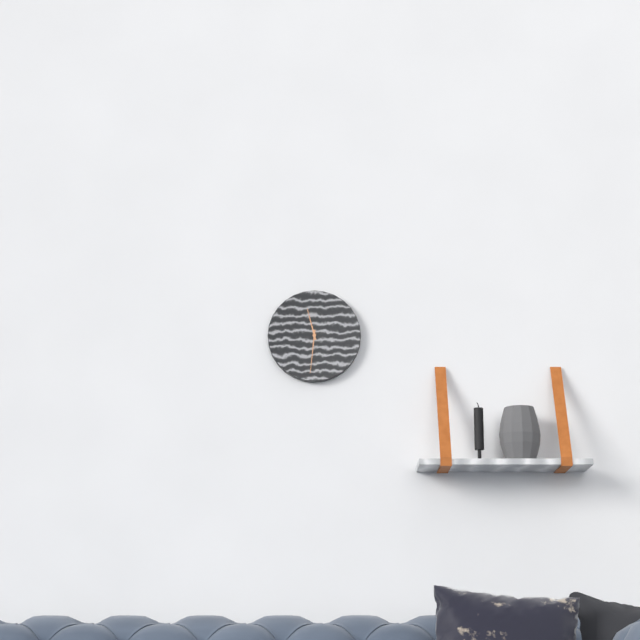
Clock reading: 11.31
